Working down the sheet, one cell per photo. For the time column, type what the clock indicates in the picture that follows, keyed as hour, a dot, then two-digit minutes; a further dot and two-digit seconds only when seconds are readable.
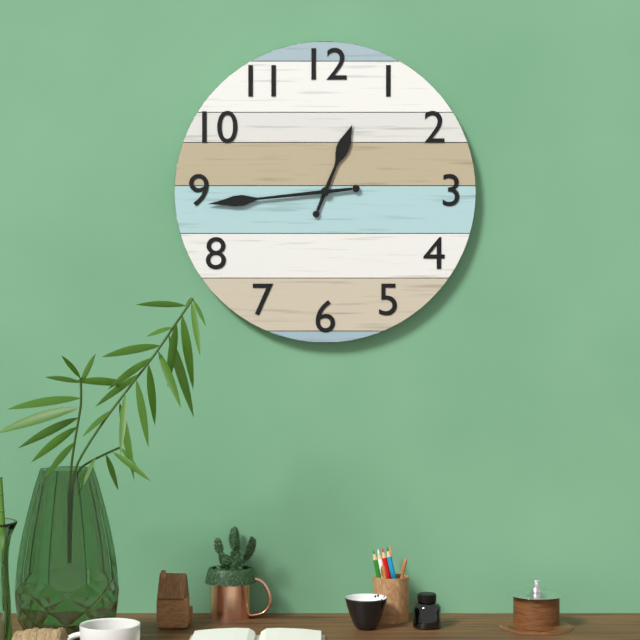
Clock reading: 12.44
